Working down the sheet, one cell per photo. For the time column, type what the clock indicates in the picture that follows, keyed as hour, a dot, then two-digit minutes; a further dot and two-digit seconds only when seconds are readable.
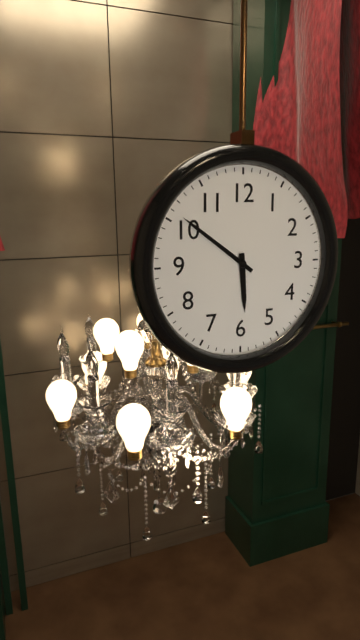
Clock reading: 5.51
